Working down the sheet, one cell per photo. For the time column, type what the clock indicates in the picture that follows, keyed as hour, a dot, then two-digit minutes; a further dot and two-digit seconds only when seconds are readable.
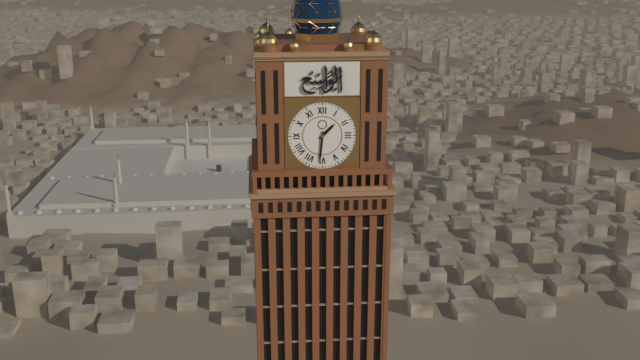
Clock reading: 1.31
